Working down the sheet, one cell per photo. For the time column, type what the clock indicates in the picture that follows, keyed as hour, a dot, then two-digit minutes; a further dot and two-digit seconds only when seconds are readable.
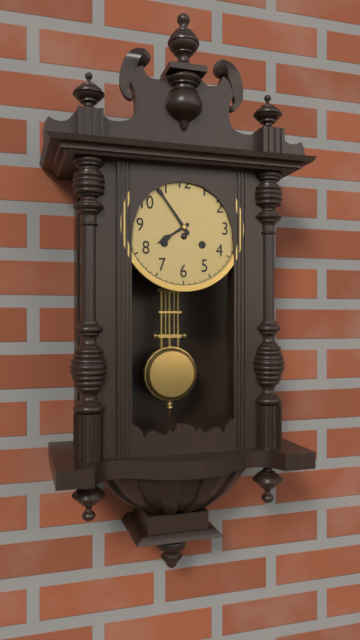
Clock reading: 7.54
